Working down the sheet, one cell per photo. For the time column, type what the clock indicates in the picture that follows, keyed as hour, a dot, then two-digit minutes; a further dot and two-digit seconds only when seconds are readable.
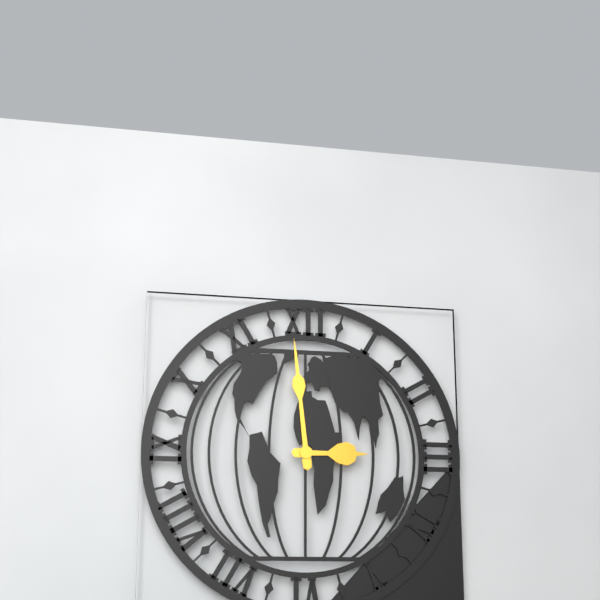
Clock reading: 2.59
